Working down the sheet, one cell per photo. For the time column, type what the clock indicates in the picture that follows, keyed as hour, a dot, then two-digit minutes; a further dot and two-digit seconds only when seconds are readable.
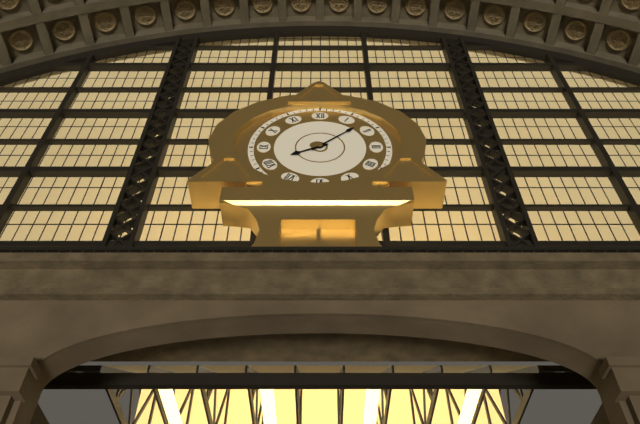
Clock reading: 8.08
